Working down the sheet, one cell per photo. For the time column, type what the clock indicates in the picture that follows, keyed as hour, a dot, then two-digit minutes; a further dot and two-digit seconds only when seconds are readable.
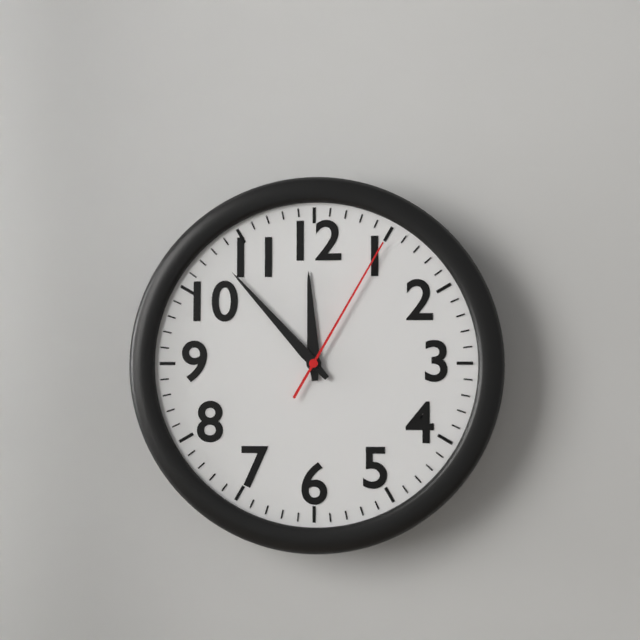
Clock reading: 11.53.05
